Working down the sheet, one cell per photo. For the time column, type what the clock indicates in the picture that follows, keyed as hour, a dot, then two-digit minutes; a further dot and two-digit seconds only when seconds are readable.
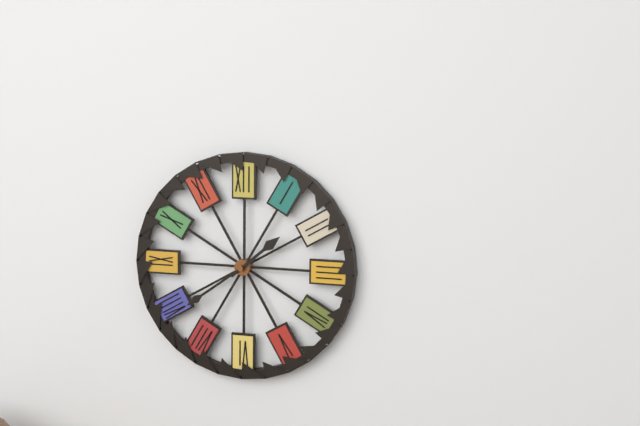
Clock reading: 1.39
